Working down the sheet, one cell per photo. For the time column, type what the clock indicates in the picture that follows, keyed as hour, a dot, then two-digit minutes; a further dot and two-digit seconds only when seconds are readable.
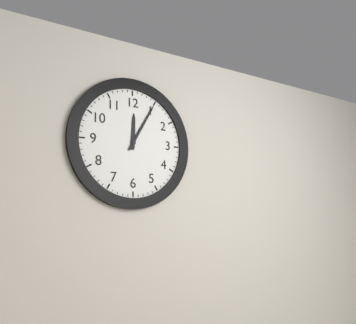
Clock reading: 12.05
